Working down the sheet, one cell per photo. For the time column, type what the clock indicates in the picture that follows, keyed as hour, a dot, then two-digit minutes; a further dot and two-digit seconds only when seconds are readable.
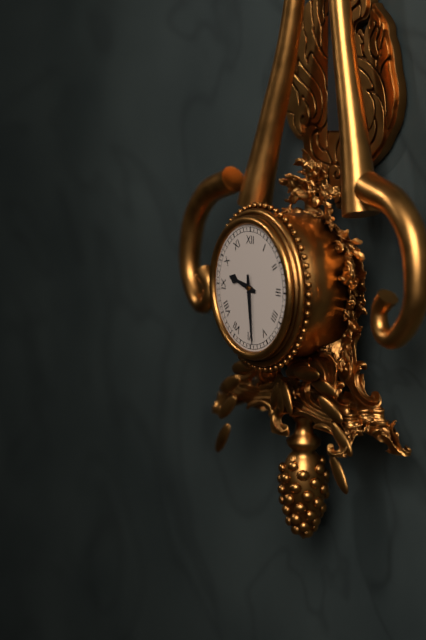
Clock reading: 9.29
